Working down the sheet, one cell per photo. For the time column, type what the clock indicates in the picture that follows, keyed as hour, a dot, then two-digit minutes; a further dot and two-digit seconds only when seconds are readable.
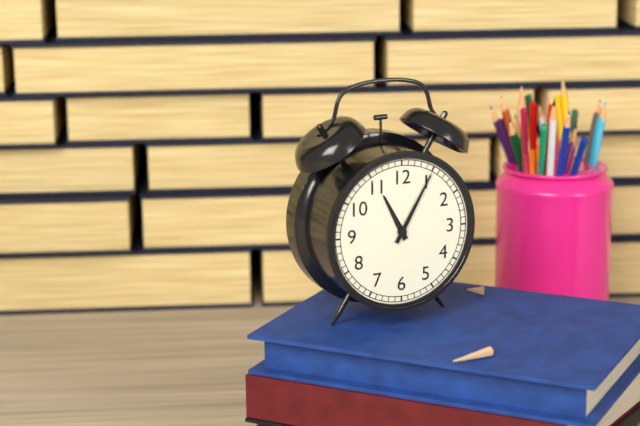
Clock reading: 11.05
